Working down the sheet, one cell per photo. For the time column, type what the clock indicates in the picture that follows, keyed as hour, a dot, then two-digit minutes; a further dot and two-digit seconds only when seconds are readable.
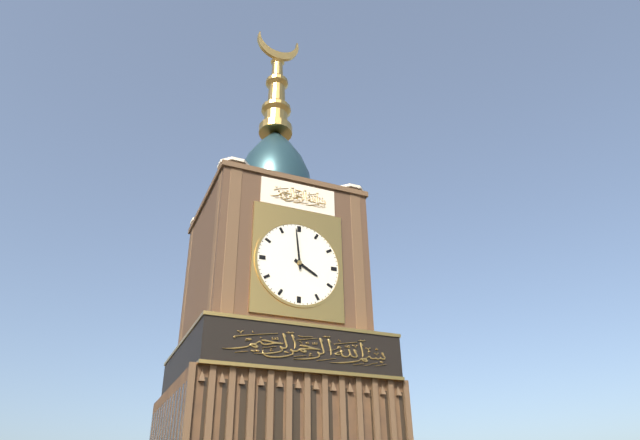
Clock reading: 3.59
